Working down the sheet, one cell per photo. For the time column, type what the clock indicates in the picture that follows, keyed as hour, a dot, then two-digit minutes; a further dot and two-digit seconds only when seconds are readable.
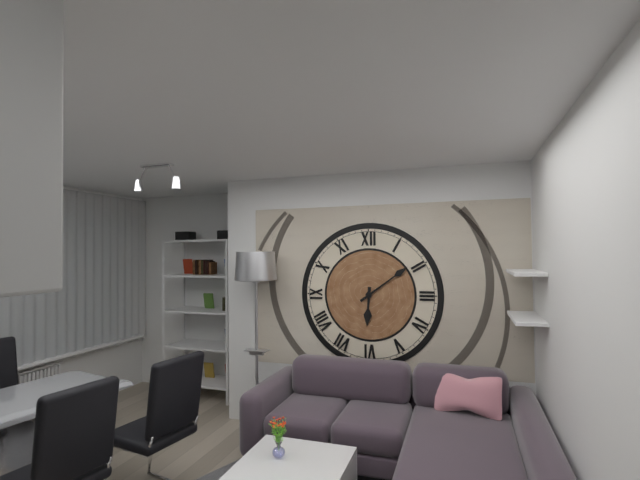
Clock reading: 6.09
